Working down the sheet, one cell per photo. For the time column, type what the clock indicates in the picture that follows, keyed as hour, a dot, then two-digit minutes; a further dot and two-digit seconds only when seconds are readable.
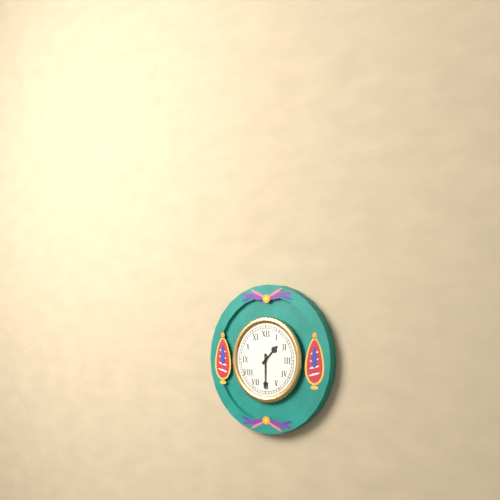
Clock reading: 1.30
